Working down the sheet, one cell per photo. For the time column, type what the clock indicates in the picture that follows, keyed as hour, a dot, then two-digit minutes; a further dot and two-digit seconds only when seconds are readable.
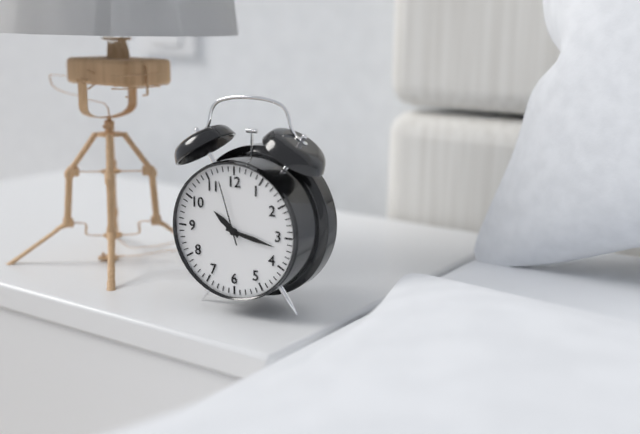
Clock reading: 10.17.57
